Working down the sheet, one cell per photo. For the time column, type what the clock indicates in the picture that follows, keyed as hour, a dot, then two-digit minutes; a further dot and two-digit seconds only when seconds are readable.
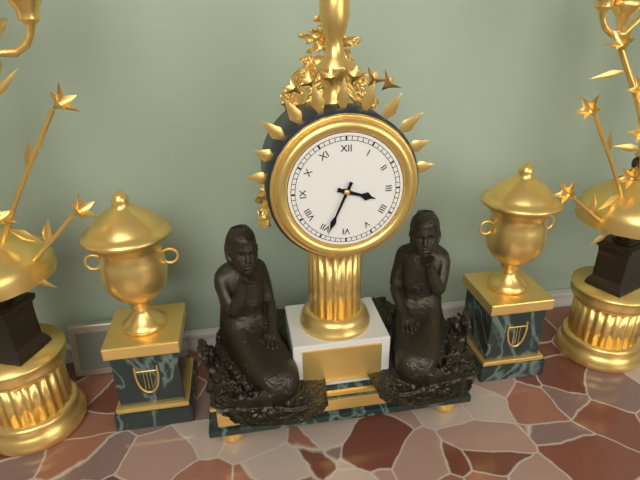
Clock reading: 3.34
